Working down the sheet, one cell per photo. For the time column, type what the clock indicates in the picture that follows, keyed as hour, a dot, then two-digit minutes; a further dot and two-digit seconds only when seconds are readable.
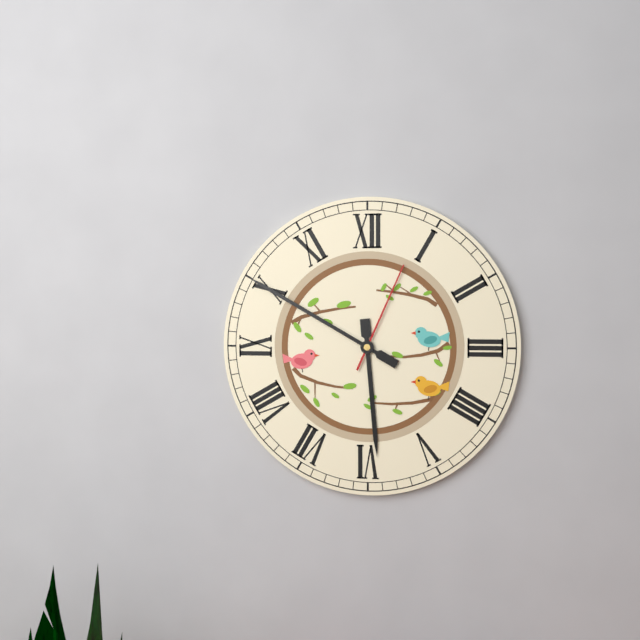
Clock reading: 5.50.04
